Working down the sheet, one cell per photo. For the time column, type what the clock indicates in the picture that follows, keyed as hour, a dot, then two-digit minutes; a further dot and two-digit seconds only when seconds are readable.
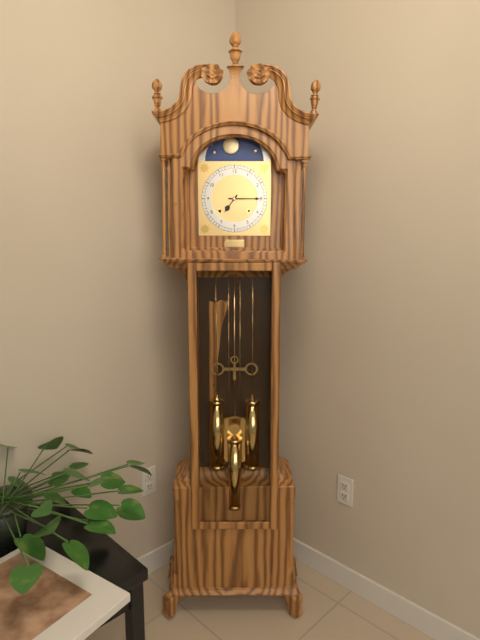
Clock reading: 7.15
